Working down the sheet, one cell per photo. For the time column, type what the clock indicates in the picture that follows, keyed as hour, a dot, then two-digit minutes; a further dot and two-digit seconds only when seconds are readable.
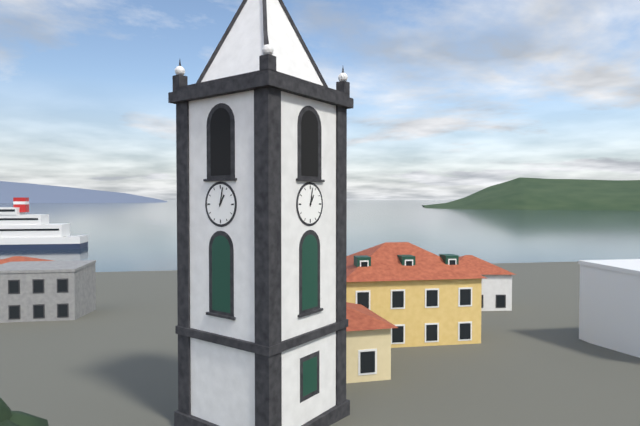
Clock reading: 1.02
